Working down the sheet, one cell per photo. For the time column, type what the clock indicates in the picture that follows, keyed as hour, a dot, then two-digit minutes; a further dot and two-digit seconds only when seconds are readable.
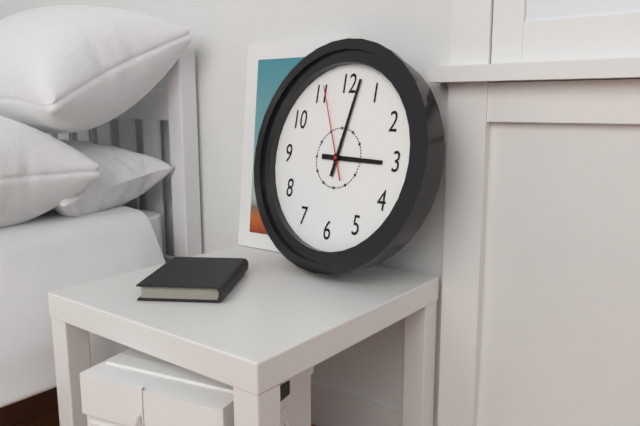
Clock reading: 3.02.56
